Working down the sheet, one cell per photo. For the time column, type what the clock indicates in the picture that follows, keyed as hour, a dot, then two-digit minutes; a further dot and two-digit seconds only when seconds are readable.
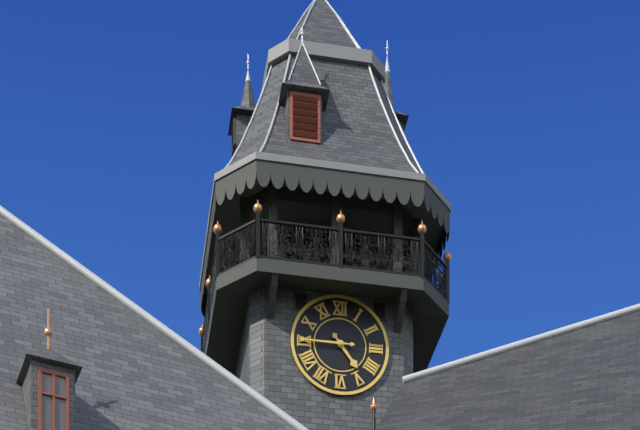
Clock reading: 4.45
